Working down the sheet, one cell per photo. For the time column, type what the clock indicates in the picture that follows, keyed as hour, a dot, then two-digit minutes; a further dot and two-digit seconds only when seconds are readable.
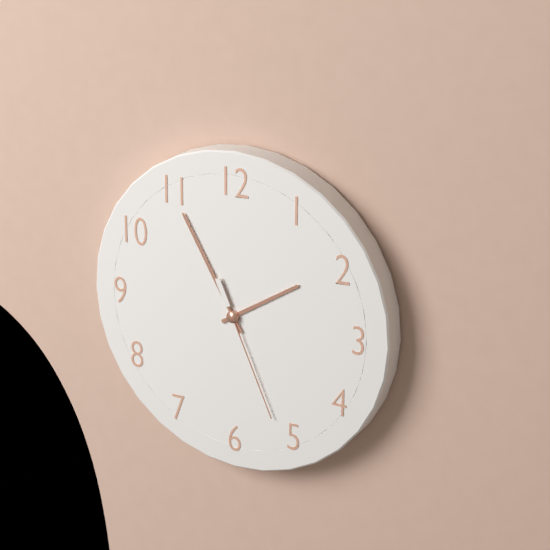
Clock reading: 1.55.26
